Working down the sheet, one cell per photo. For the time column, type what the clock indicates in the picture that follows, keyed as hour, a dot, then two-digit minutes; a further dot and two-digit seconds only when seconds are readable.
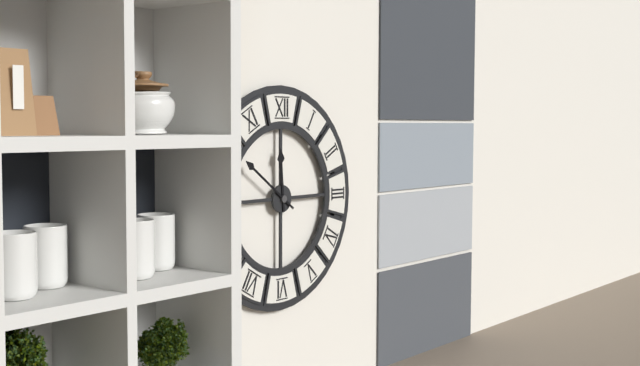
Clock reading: 11.51
